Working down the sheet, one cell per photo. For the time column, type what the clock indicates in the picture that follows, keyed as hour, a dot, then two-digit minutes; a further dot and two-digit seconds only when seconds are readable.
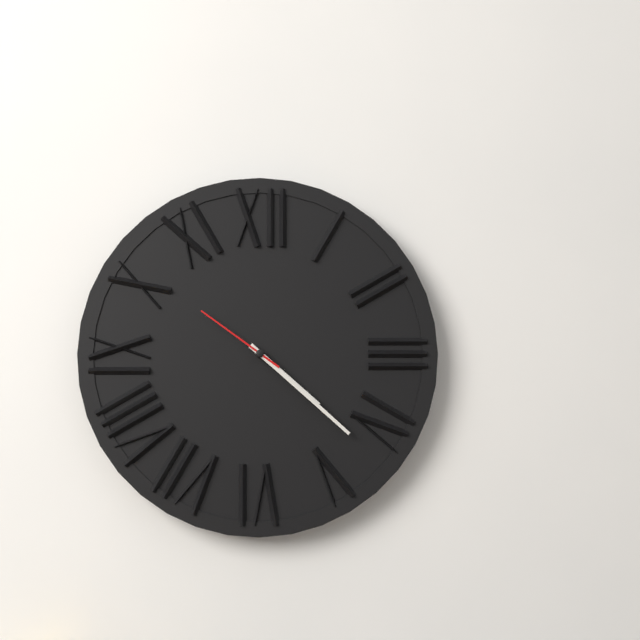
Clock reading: 4.22.51
